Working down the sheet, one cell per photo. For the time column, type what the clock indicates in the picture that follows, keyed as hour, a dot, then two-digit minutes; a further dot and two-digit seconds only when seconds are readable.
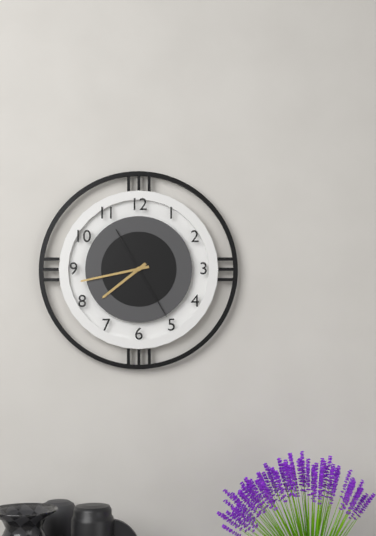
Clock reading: 7.43.25
